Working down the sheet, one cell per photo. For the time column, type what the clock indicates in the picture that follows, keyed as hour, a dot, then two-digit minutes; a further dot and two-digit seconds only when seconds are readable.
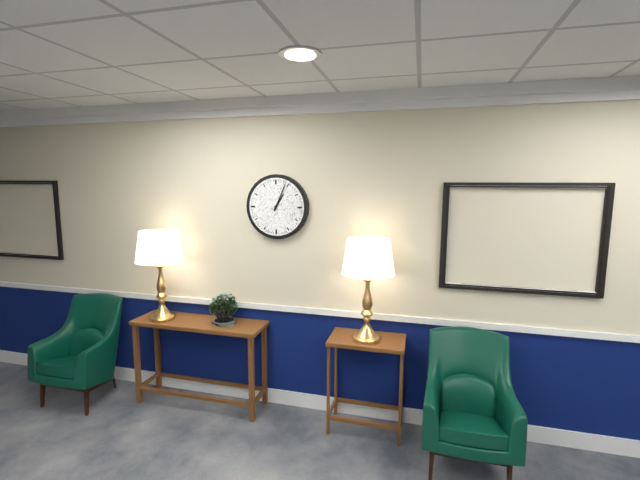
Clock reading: 1.04
